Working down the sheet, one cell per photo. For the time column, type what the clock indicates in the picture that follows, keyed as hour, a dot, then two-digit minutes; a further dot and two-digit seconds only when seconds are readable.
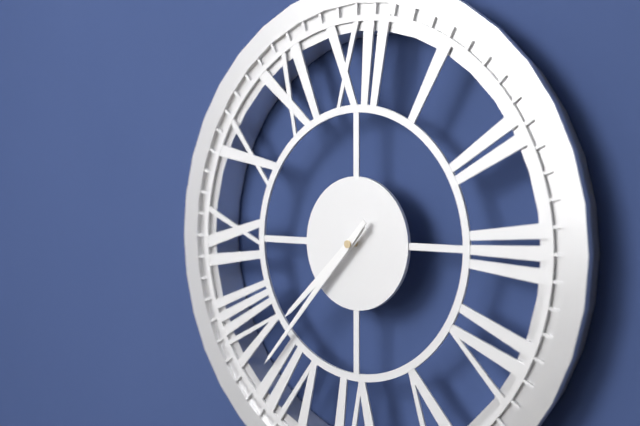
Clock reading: 7.37
